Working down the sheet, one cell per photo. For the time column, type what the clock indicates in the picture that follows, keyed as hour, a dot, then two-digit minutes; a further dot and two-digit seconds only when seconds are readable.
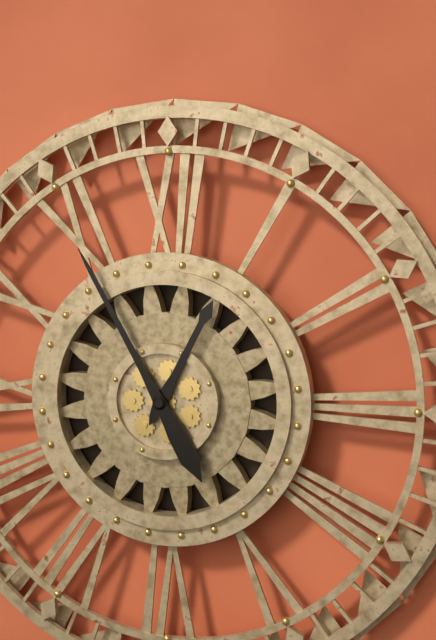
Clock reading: 12.55
